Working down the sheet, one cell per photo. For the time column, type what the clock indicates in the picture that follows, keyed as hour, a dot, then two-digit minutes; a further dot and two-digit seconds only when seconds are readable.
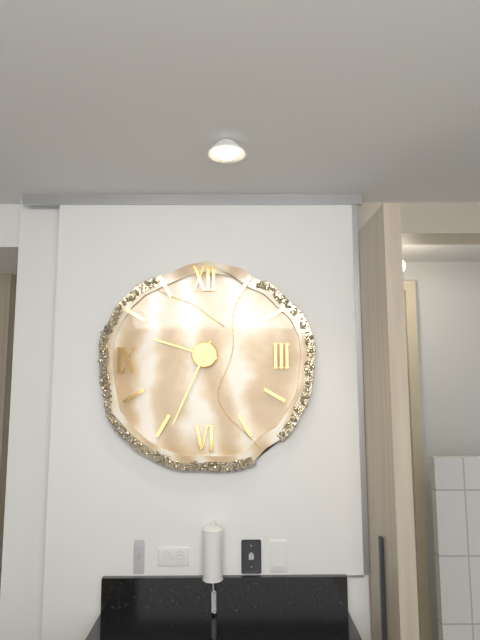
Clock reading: 9.34
